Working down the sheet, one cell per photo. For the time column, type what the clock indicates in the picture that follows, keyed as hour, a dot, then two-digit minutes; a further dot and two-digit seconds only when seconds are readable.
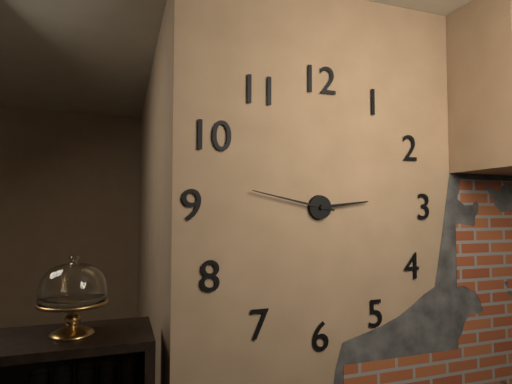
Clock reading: 2.47
